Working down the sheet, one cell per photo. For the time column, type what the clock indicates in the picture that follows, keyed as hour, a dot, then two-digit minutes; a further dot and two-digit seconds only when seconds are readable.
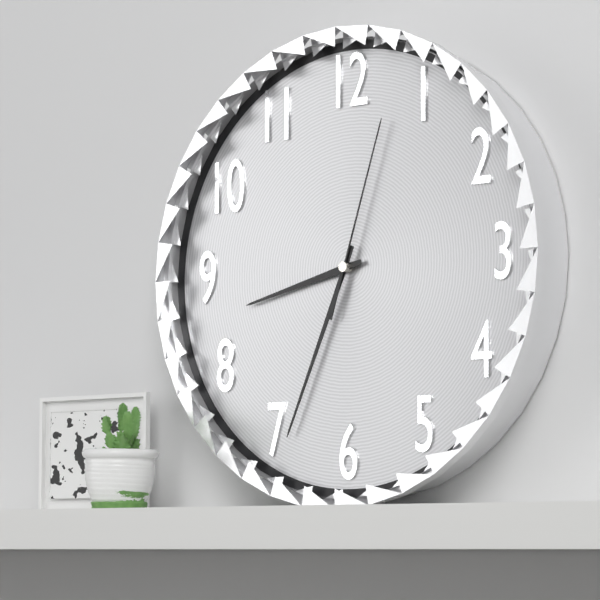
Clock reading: 8.34.03
